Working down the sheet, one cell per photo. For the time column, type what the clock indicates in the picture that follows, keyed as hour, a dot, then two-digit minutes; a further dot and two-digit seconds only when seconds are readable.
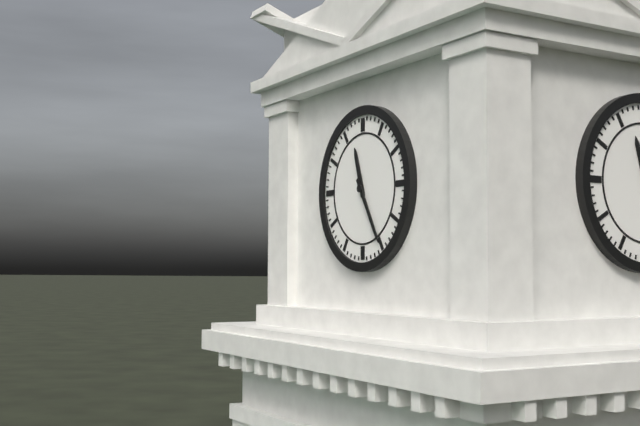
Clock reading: 11.25
